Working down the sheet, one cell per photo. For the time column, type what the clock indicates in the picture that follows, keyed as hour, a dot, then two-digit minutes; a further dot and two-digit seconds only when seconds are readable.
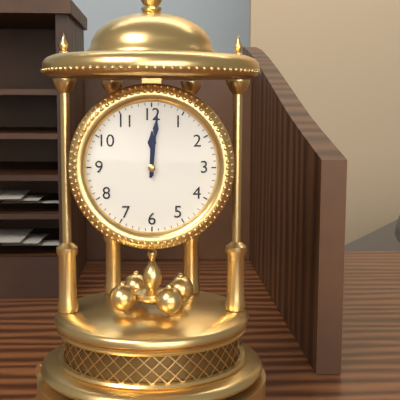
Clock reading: 12.01
